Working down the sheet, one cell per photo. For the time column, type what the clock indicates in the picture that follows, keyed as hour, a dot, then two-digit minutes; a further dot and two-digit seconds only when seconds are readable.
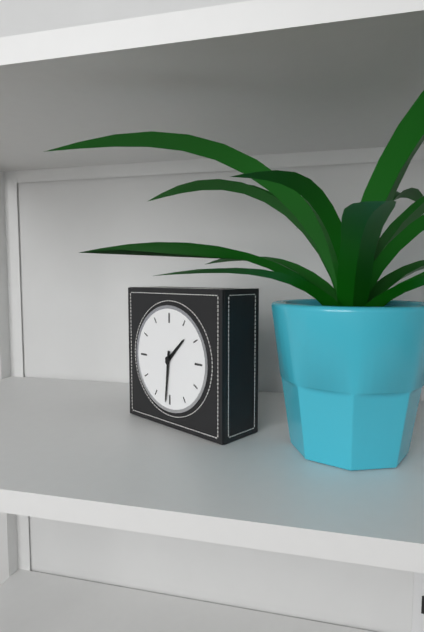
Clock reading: 1.31
